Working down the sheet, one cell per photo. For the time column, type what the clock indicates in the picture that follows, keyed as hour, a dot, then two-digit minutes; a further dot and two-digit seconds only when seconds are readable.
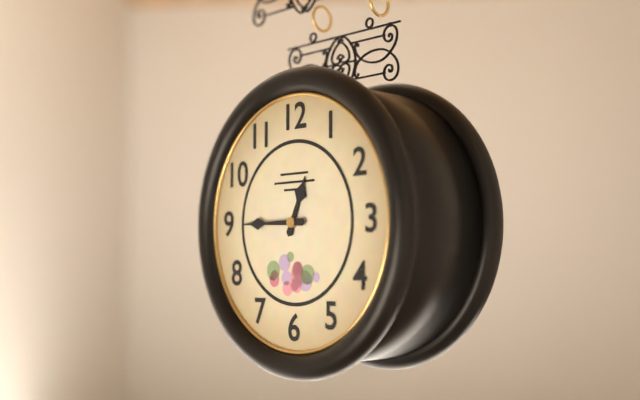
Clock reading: 12.45
